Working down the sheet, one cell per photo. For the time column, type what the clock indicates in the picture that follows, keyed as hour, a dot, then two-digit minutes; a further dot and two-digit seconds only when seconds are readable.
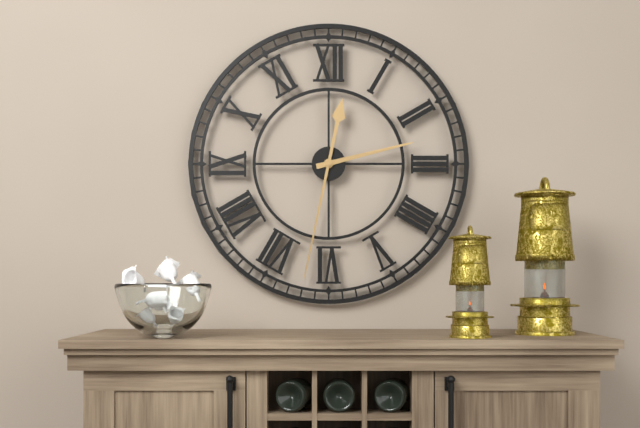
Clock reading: 2.32
